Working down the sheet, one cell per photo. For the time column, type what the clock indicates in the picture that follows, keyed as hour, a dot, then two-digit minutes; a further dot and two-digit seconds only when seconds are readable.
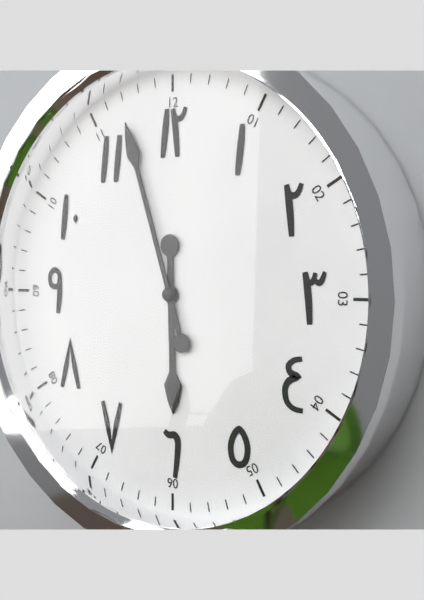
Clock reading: 5.57
